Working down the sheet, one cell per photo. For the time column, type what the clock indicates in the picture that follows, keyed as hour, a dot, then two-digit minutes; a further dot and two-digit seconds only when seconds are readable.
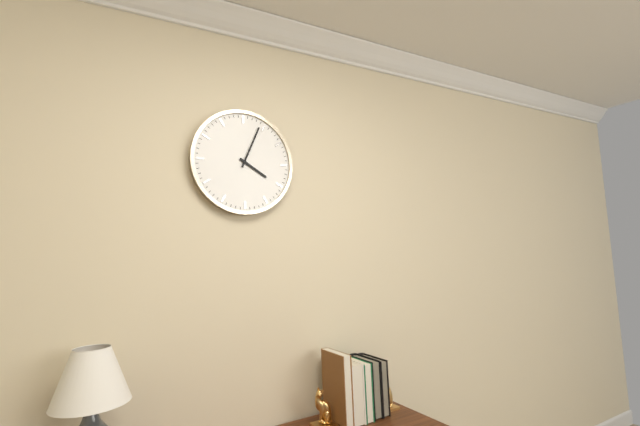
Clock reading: 4.04
